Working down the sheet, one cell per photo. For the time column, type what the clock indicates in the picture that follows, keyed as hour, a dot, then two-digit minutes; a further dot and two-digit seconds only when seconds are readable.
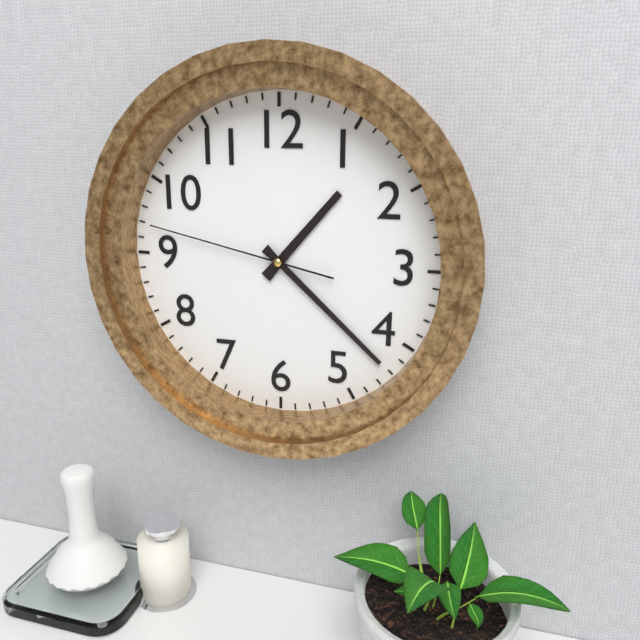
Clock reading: 1.22.47
